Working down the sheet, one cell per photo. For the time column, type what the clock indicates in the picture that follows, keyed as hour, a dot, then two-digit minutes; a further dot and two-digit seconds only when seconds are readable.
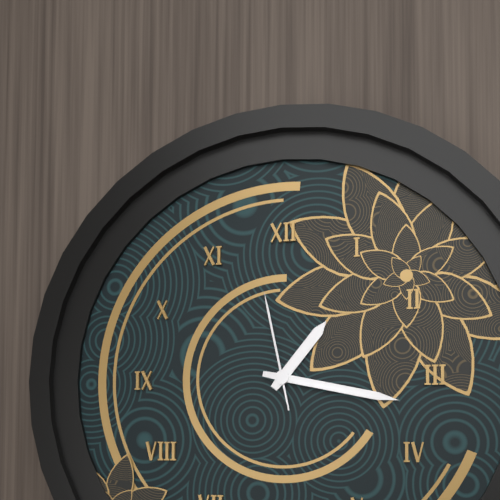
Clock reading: 1.17.58
